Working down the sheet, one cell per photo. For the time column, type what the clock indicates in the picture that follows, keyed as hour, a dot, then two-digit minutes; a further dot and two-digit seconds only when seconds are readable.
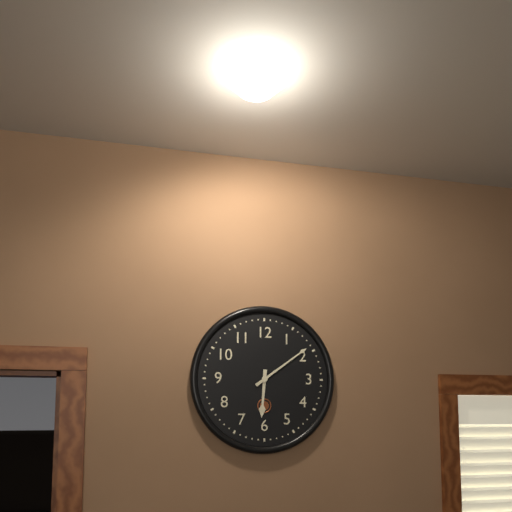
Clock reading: 6.09
